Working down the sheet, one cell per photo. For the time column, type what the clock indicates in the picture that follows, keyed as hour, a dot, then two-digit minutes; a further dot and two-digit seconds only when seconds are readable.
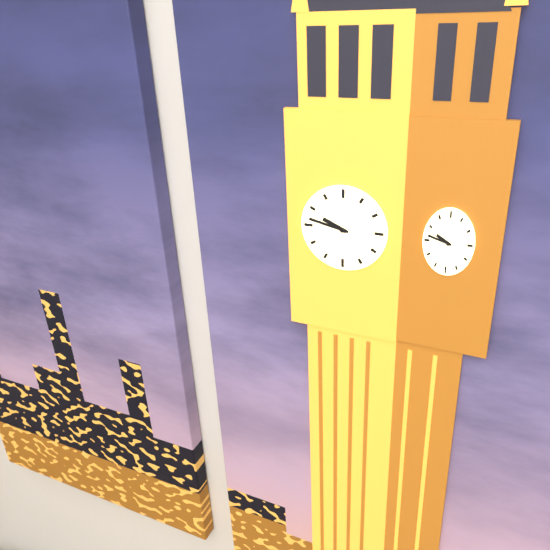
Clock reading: 9.47
